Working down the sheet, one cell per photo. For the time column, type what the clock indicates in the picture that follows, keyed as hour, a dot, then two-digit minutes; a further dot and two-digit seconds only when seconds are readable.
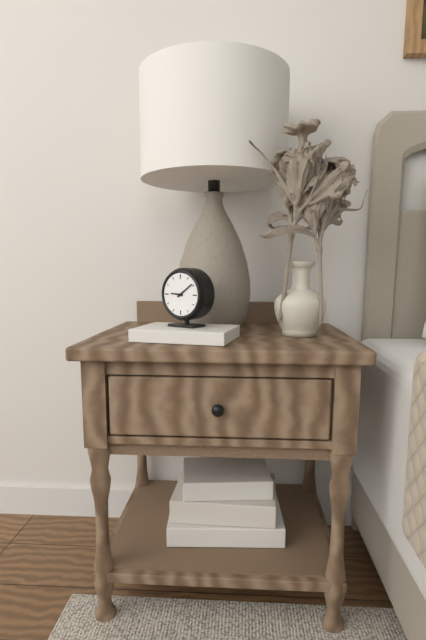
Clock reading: 9.09
